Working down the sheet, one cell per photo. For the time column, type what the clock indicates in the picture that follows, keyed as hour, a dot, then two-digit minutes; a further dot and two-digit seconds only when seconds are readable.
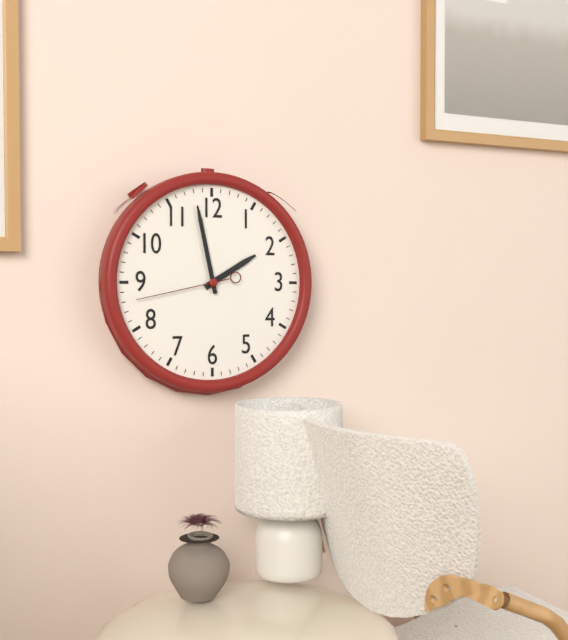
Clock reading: 1.58.43
